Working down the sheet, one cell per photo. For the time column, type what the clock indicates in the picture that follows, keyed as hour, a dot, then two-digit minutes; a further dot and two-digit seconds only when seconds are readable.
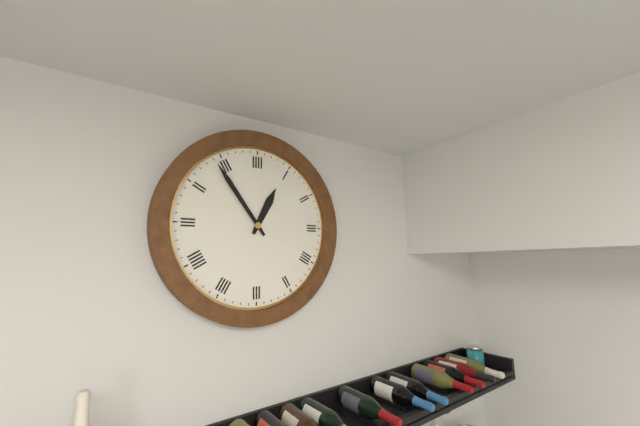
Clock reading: 12.54
